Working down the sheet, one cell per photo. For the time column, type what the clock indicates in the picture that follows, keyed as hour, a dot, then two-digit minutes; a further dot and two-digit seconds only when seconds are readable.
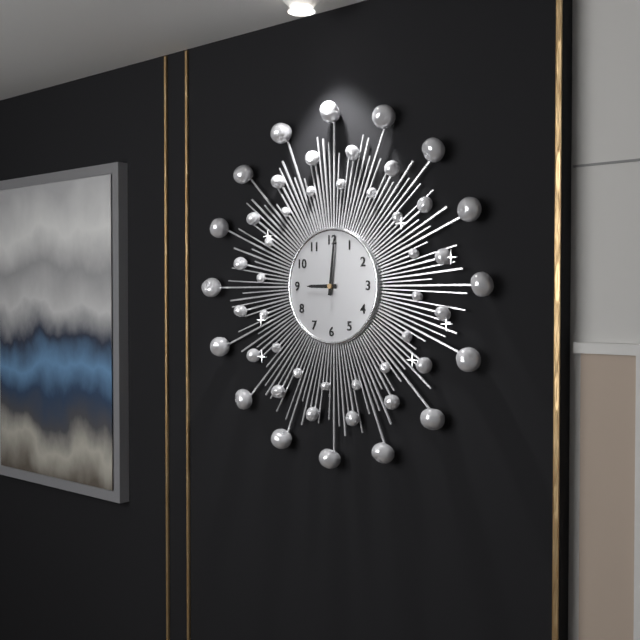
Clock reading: 9.01
